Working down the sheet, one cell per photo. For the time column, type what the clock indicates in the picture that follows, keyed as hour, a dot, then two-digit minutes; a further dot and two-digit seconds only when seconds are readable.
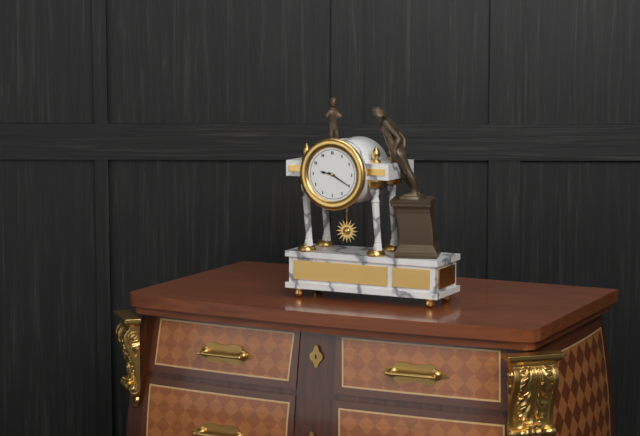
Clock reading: 9.20
